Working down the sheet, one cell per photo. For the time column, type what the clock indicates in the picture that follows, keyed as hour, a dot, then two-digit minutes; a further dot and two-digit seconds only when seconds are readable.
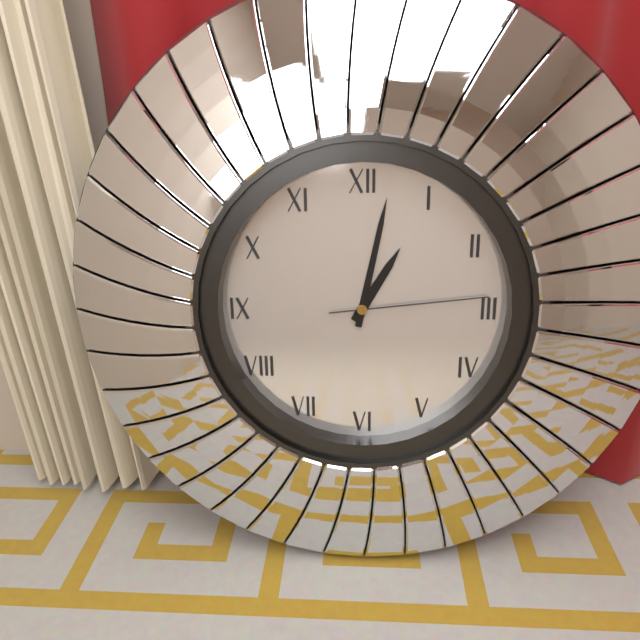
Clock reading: 1.02.14
